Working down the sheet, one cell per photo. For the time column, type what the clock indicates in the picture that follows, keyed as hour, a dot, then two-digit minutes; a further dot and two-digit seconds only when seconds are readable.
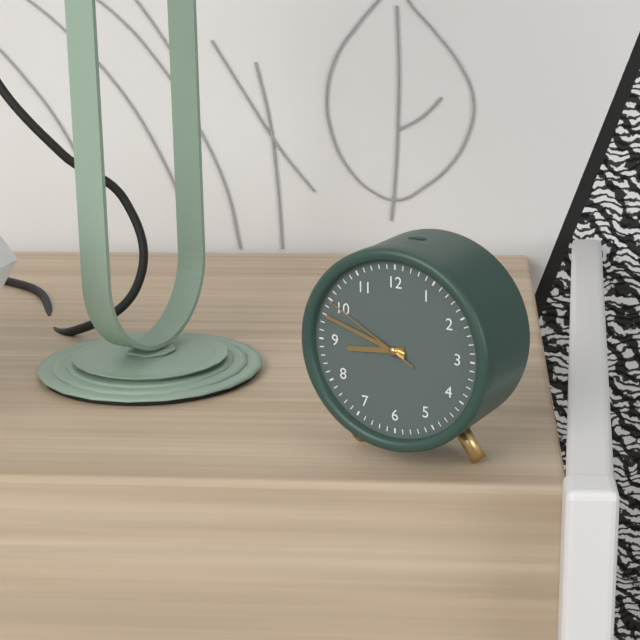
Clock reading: 8.48.50
